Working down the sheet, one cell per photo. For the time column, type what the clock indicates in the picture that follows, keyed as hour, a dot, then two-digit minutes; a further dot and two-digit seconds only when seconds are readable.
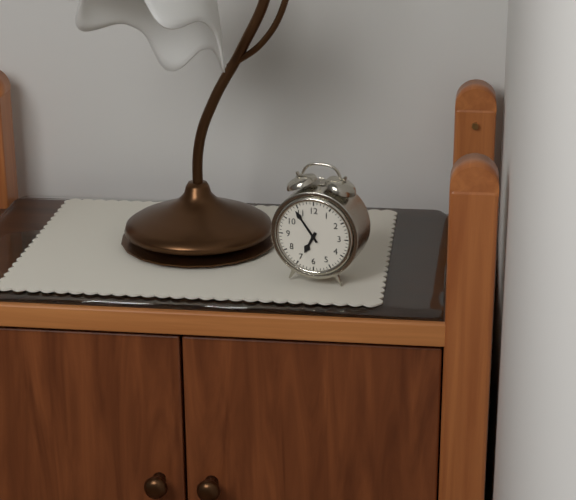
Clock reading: 6.54
